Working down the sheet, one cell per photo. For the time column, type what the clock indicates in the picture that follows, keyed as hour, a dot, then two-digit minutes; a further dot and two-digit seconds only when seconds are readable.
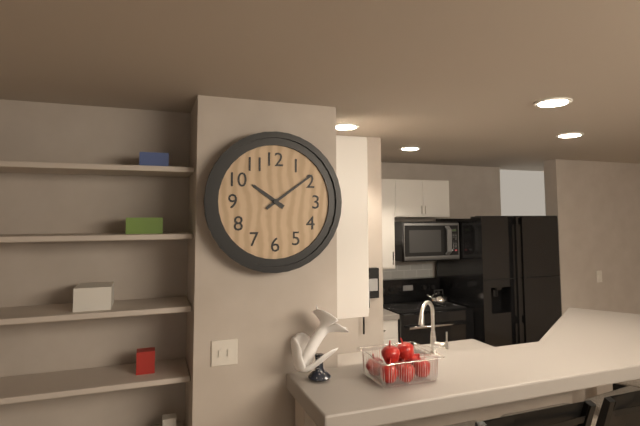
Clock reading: 10.09
